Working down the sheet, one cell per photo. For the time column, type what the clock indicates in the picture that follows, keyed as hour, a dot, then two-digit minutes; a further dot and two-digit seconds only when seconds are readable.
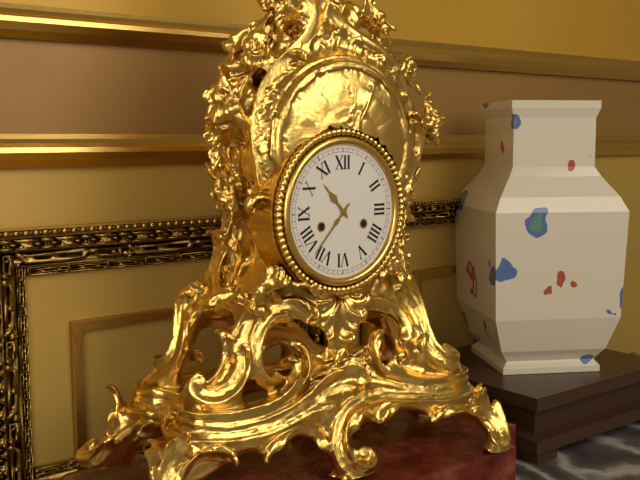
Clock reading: 10.37
